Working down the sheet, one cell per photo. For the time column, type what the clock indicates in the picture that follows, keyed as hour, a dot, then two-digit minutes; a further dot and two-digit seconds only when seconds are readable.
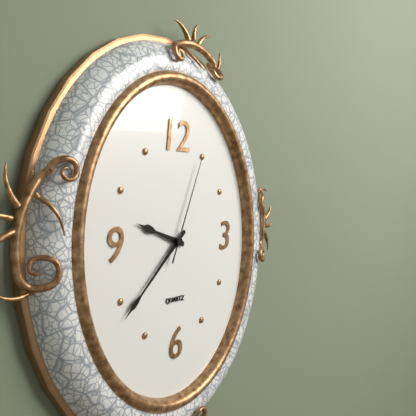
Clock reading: 9.38.04
